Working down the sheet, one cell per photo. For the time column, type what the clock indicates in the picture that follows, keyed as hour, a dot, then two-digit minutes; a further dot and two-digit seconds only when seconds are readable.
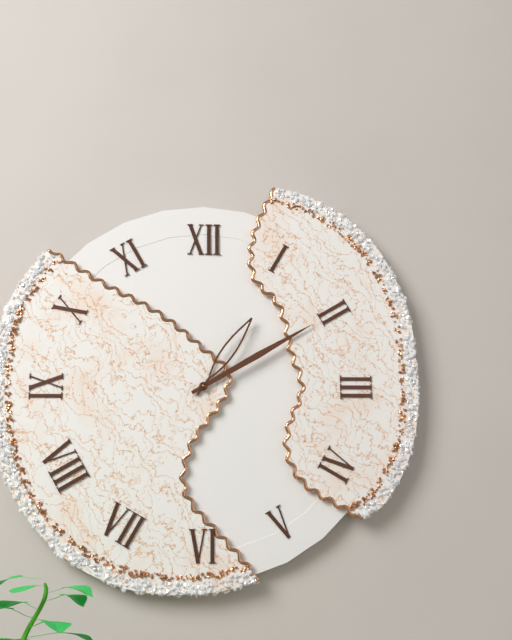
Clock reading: 1.10
